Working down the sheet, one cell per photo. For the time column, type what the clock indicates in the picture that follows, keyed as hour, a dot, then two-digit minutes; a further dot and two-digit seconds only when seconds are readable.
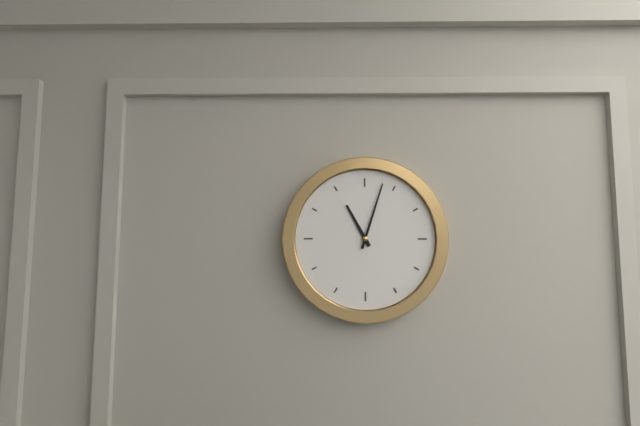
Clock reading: 11.03
